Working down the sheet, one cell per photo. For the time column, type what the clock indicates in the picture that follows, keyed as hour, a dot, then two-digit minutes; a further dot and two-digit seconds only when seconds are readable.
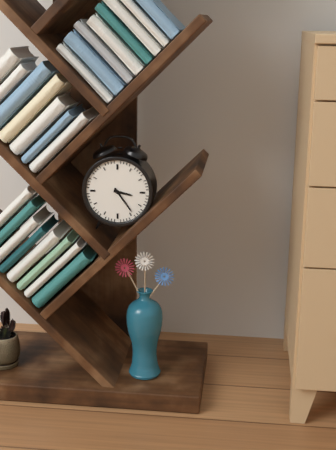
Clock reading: 3.24
